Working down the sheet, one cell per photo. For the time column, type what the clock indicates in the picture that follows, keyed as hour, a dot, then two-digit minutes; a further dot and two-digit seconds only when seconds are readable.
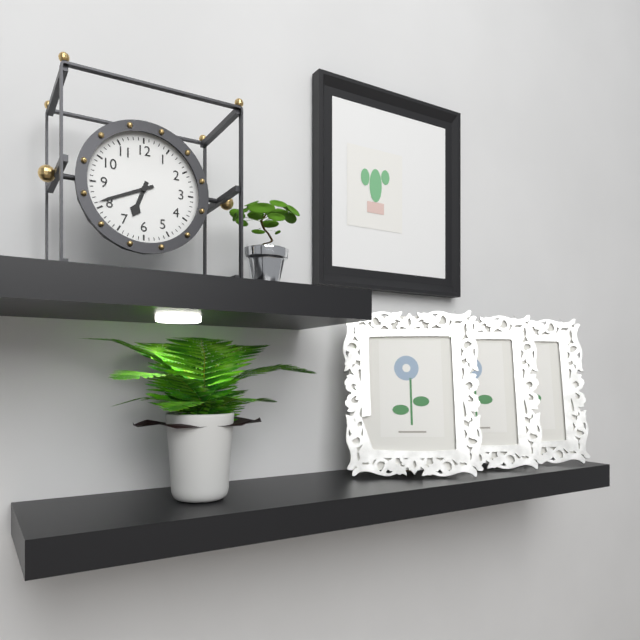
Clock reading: 6.41
